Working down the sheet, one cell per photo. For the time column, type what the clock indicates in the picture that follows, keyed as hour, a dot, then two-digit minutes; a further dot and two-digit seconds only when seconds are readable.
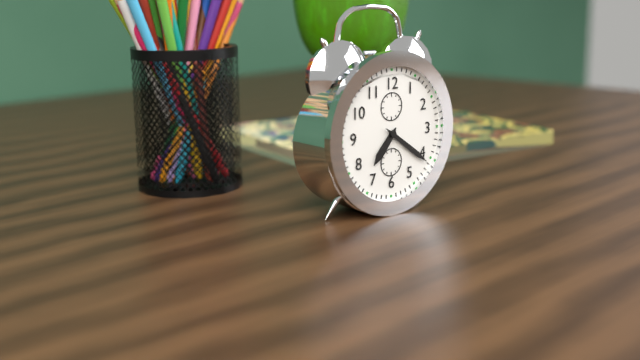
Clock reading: 7.21
